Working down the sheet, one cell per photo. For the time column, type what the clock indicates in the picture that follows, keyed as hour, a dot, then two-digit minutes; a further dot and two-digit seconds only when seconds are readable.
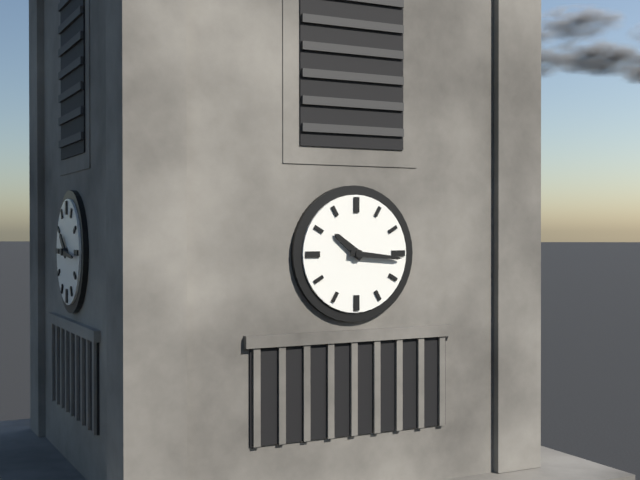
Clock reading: 10.16
